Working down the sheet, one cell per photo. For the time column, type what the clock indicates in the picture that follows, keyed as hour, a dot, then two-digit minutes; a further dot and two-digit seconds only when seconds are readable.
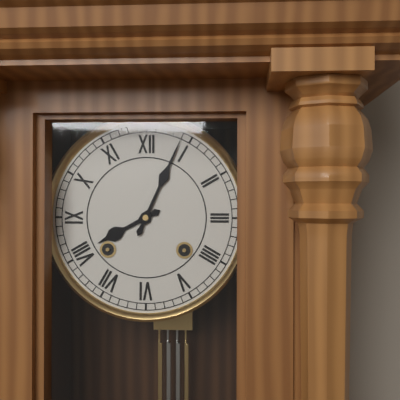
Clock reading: 8.04
